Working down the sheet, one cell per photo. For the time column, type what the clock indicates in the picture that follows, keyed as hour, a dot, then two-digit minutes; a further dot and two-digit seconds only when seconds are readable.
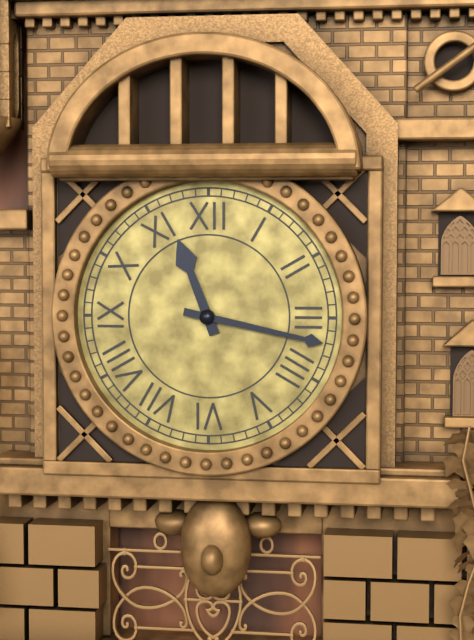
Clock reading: 11.17
